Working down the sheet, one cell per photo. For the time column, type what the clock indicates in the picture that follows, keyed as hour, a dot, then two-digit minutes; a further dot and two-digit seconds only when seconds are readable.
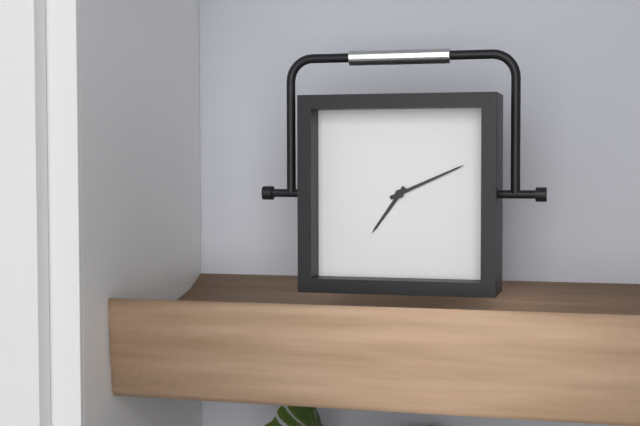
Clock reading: 7.11
